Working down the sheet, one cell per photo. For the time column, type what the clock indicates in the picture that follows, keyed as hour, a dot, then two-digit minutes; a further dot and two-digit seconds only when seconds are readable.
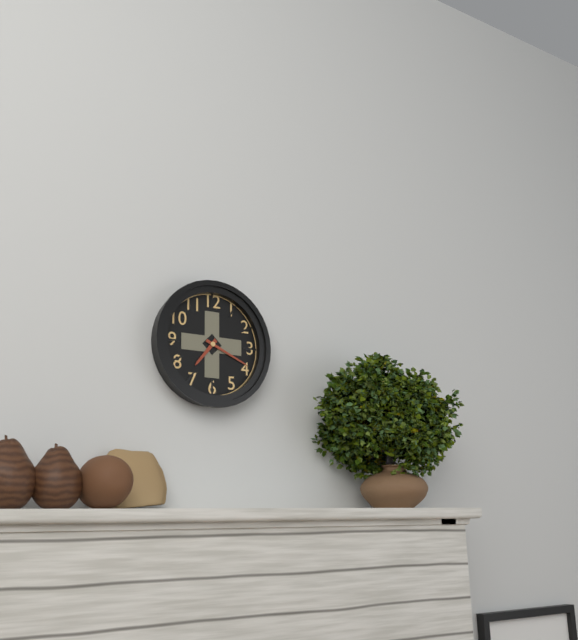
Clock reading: 7.19
